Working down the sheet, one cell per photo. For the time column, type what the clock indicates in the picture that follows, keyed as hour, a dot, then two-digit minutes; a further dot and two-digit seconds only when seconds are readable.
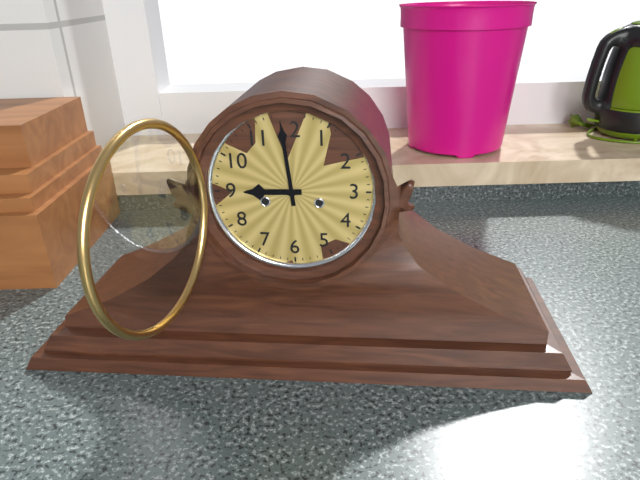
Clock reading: 8.59
